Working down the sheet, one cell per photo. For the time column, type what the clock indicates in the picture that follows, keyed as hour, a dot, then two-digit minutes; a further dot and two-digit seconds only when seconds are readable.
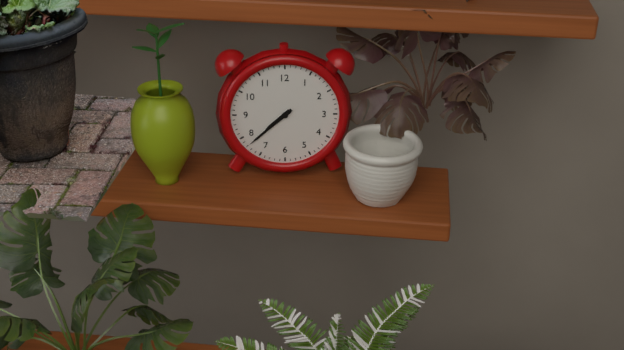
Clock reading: 7.38
